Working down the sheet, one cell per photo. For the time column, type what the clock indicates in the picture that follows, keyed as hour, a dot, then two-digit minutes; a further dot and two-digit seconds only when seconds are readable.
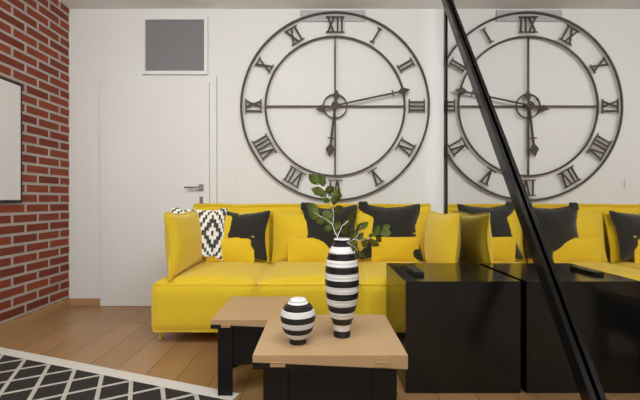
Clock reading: 6.13
